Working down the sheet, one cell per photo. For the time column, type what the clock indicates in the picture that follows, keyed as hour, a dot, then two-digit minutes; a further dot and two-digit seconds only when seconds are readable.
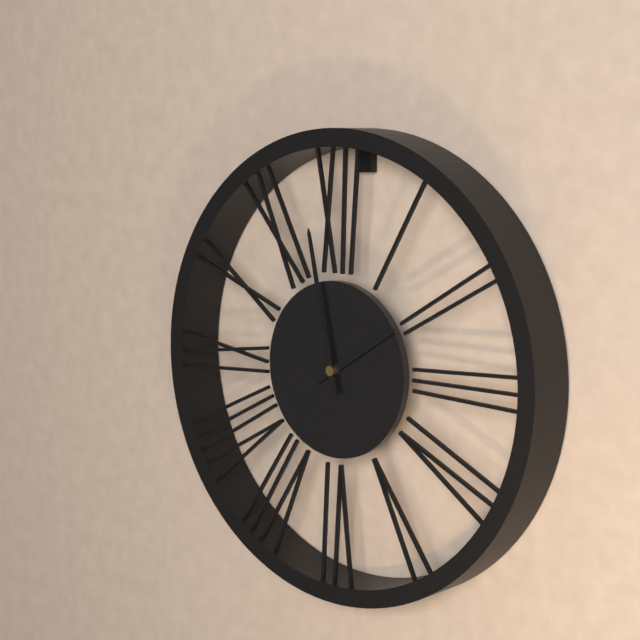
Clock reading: 1.58
